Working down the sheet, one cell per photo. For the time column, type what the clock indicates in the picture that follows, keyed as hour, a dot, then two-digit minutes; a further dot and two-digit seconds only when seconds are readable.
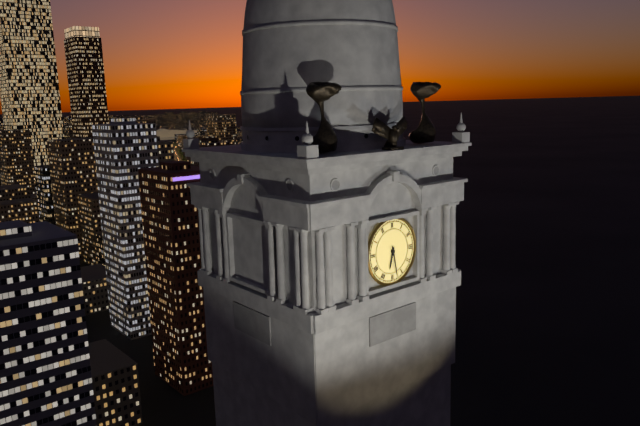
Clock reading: 6.28
